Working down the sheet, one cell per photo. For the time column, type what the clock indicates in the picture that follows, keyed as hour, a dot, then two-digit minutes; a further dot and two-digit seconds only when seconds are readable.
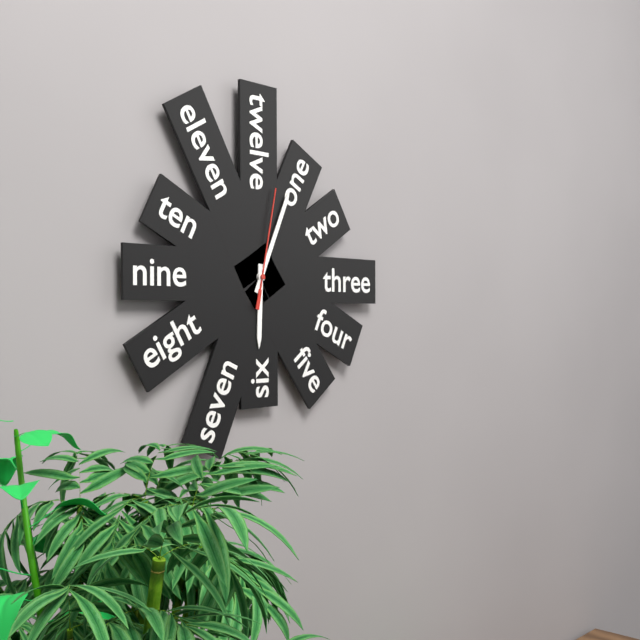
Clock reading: 6.04.02
